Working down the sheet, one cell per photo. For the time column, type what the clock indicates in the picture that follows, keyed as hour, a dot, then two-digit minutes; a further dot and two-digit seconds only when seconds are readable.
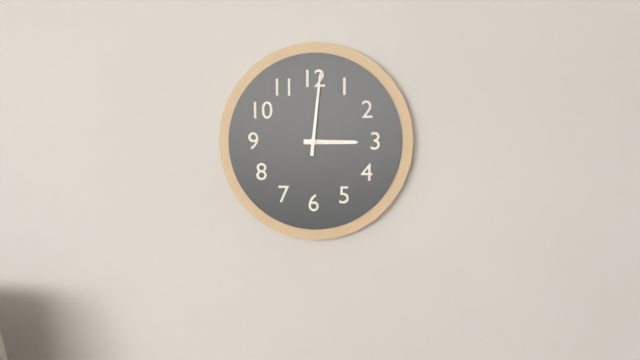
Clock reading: 3.01
